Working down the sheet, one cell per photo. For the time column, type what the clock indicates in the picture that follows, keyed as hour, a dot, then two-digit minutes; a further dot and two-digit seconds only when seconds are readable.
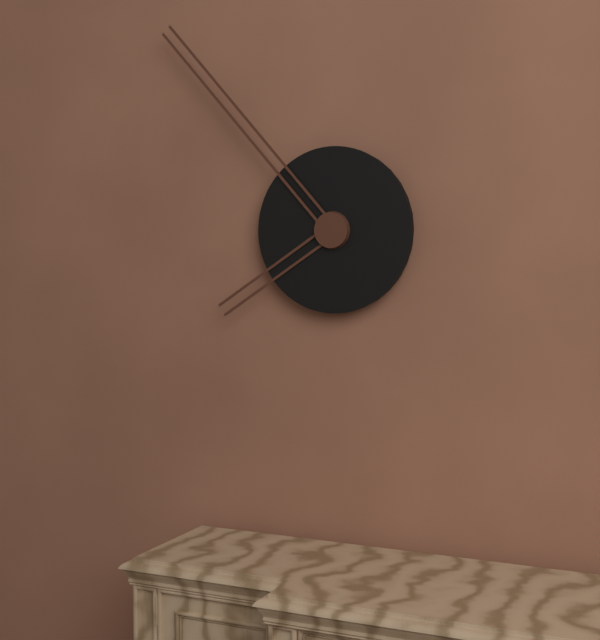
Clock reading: 7.53
